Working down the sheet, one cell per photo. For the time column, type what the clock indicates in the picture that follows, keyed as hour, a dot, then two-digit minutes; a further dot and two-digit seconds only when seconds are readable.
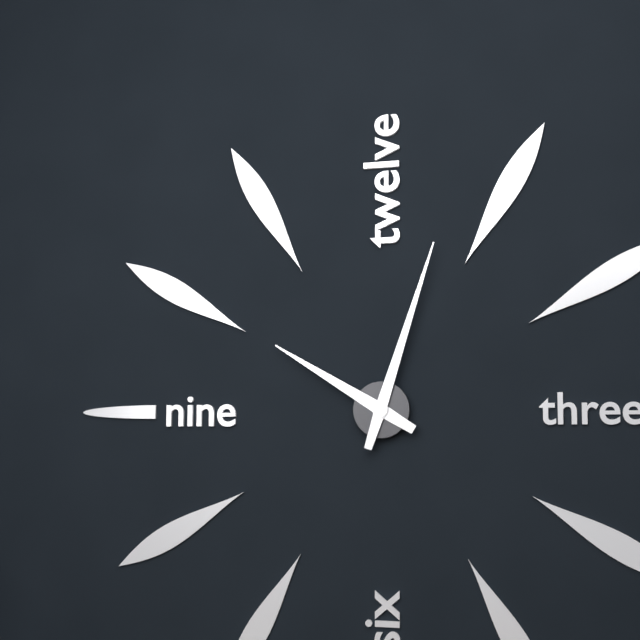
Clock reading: 10.03
